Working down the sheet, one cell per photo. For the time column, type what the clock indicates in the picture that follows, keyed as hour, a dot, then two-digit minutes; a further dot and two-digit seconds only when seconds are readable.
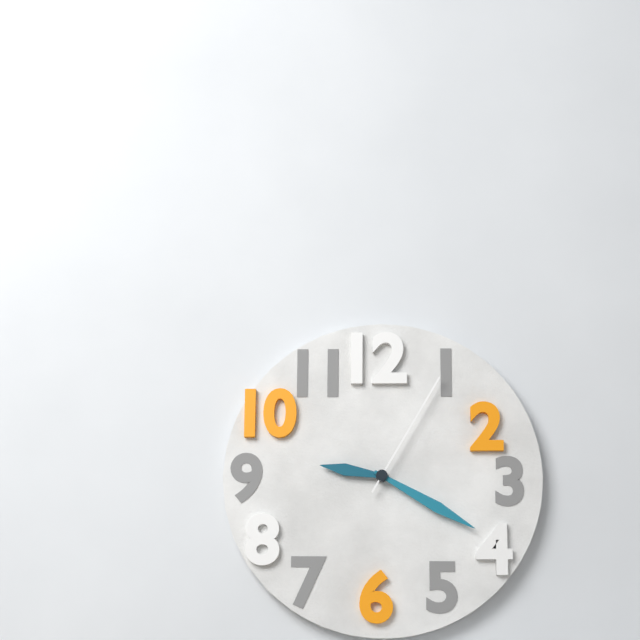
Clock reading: 9.20.05
